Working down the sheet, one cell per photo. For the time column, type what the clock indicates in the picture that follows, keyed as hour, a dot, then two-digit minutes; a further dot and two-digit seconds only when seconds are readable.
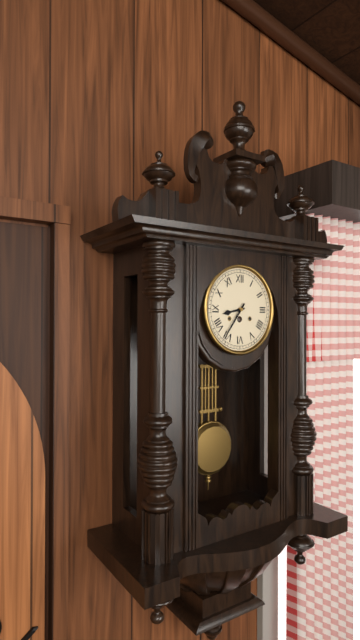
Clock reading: 8.36
